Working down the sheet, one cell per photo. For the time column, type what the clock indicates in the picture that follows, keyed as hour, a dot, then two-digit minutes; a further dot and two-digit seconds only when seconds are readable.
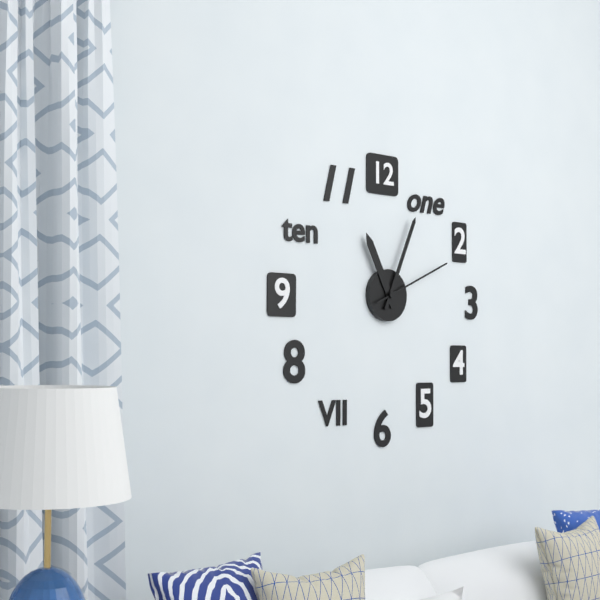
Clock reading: 11.04.11
